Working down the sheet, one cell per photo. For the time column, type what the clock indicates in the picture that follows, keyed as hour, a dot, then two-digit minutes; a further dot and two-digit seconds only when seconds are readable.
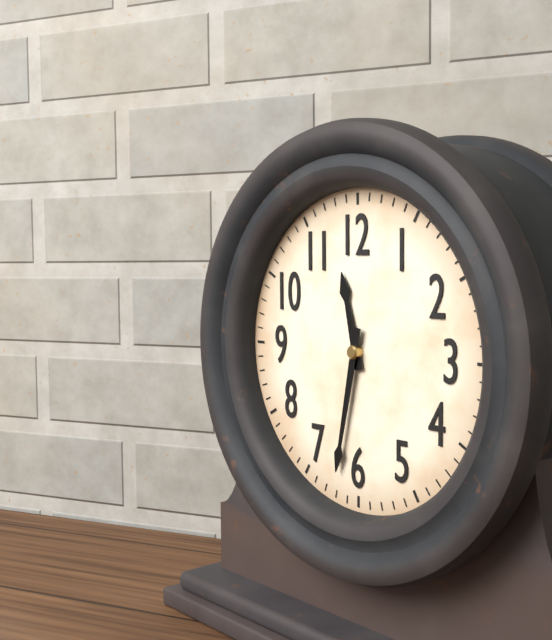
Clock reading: 11.32
